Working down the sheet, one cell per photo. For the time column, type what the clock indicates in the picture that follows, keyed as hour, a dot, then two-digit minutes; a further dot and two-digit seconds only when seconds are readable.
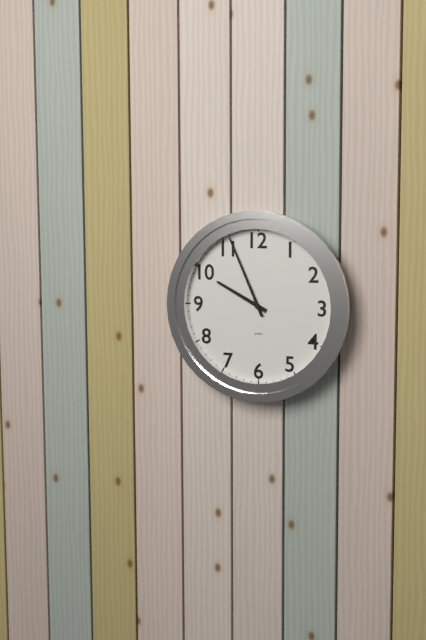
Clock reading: 9.56
